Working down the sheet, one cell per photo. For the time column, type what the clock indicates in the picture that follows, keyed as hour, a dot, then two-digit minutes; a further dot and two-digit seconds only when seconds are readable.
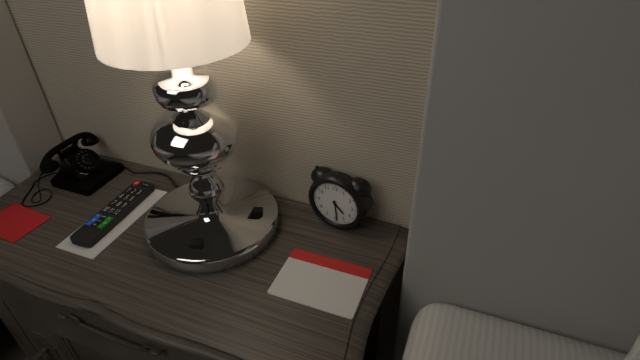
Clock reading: 4.29
